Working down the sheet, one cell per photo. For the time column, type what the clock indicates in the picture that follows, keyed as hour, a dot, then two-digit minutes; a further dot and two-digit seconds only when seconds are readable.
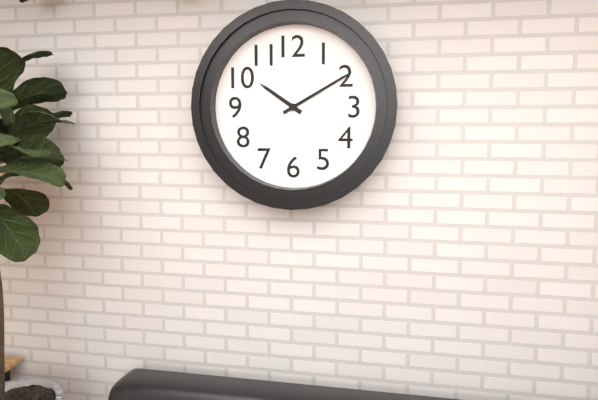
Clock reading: 10.10
